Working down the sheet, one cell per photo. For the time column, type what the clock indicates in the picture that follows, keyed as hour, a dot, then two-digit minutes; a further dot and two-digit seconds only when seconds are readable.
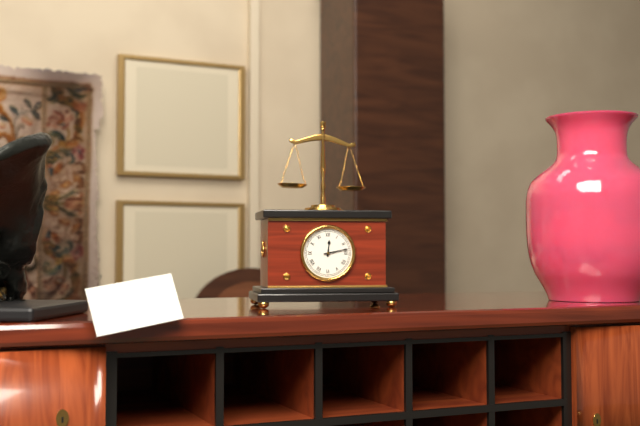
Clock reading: 12.13
